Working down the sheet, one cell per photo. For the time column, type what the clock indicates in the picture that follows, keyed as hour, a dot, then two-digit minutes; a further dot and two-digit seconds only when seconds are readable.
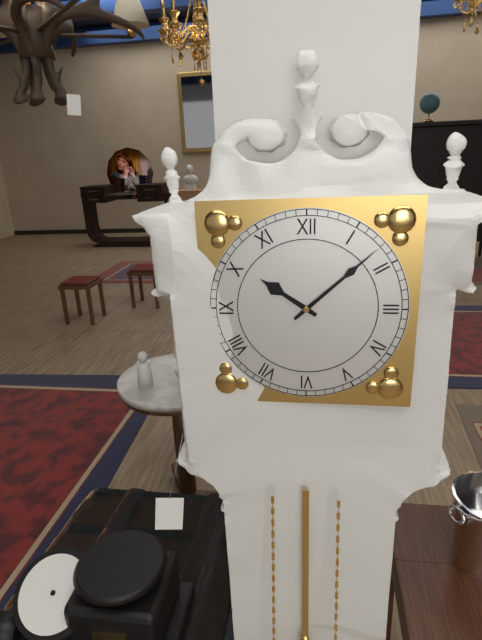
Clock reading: 10.08
